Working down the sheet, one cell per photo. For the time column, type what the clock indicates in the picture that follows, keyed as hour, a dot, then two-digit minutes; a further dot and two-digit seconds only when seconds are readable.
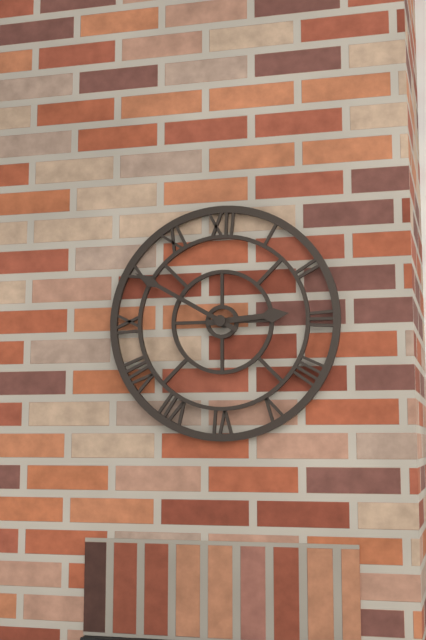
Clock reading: 2.50
